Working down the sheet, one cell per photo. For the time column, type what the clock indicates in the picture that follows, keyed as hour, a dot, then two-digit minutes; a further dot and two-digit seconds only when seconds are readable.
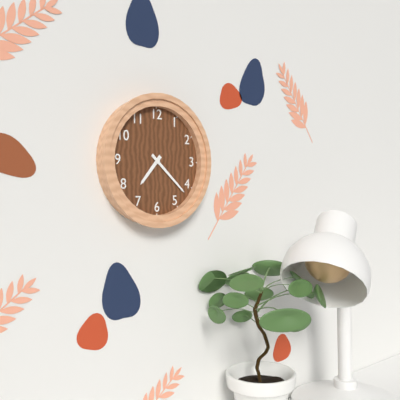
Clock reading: 7.22
